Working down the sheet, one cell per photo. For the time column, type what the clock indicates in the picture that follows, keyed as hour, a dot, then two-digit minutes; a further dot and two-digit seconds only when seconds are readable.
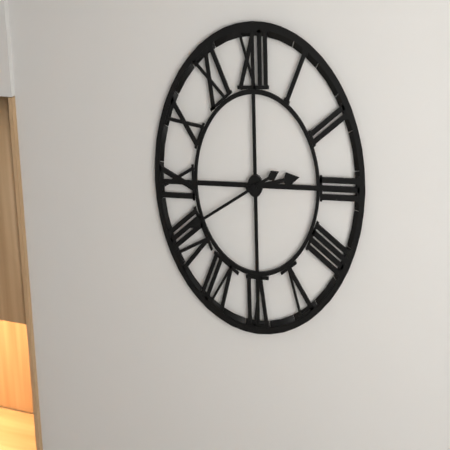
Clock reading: 2.41
